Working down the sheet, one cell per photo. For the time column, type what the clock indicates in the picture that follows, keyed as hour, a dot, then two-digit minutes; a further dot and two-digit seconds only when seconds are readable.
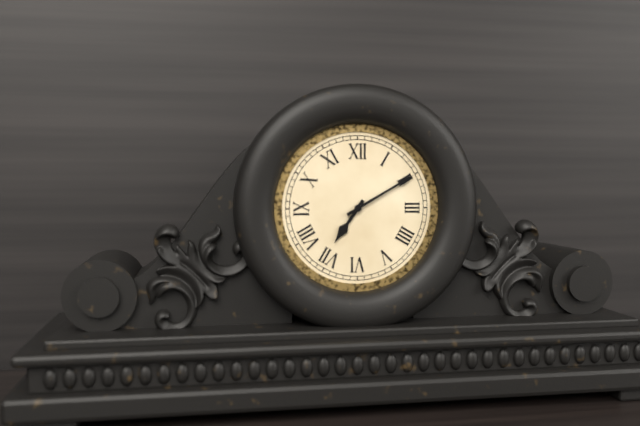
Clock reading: 7.10
